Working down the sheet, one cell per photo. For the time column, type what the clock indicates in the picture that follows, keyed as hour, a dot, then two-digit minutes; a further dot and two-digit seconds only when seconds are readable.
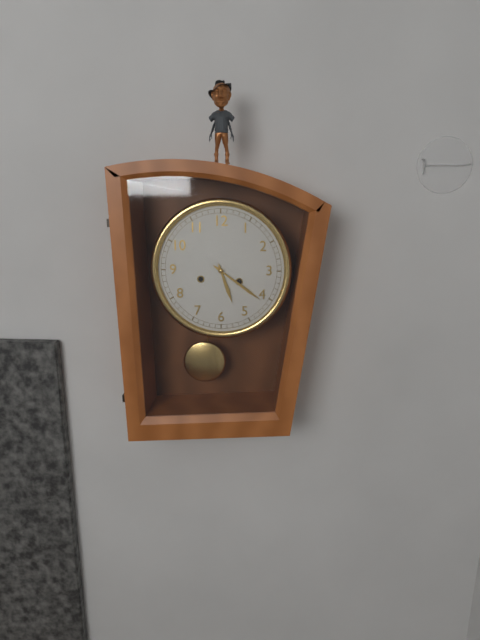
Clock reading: 5.21
